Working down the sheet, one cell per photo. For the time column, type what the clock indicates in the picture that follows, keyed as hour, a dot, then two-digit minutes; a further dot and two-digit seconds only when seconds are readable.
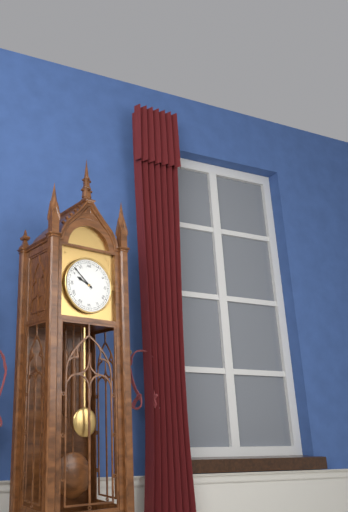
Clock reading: 9.52
